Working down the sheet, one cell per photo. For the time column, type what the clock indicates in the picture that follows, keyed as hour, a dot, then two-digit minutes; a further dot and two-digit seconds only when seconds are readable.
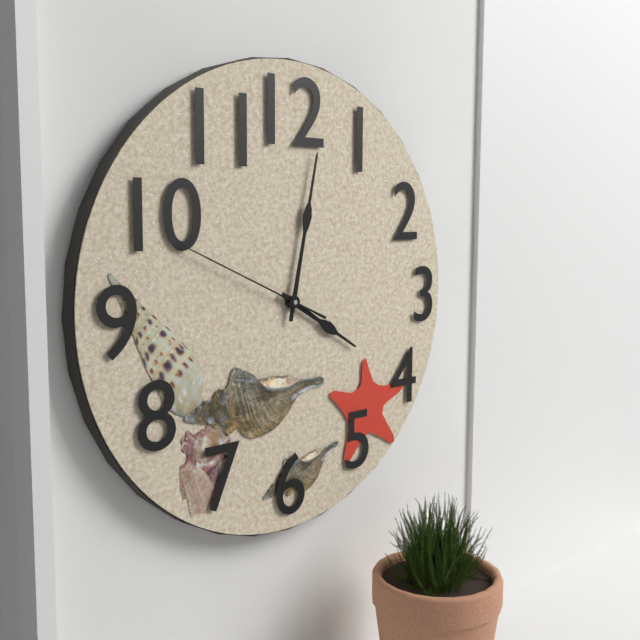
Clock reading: 4.02.49
